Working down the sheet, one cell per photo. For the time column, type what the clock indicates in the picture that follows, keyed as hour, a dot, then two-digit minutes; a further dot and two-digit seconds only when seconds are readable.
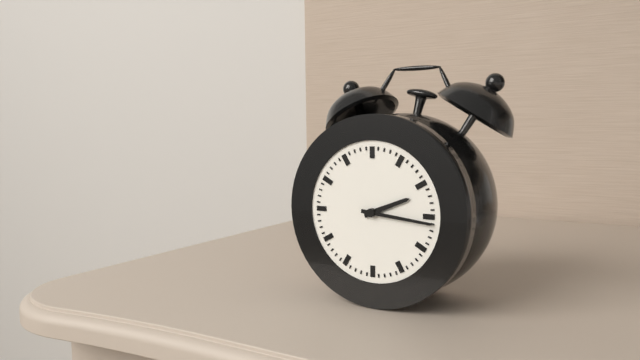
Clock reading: 2.16
